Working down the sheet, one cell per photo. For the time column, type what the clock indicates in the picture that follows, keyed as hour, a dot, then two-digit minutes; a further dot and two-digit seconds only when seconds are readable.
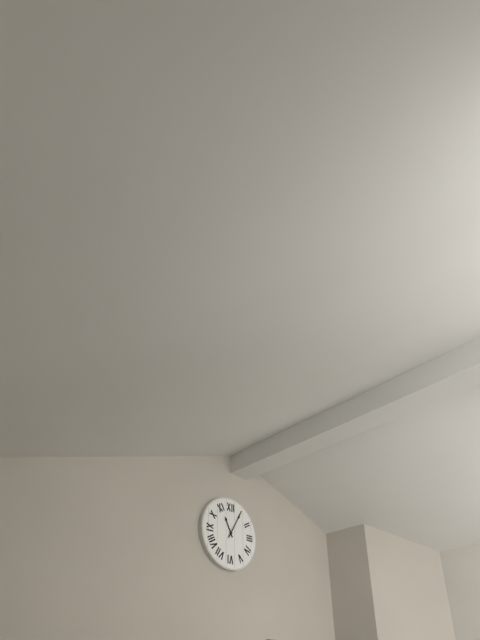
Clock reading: 11.05
